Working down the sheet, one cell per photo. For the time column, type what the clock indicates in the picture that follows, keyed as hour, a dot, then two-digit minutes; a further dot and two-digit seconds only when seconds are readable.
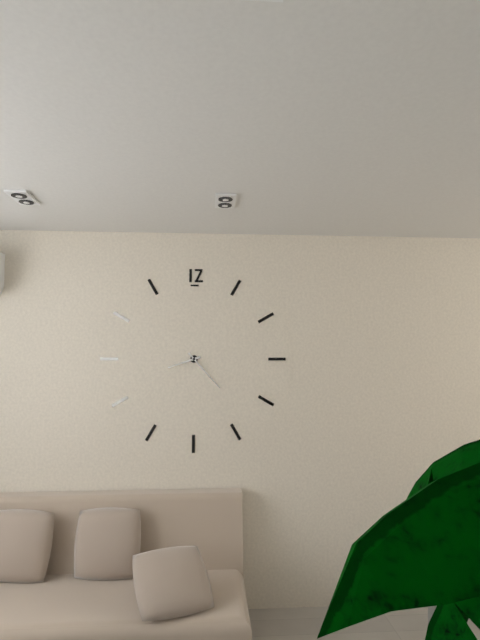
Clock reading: 8.23
